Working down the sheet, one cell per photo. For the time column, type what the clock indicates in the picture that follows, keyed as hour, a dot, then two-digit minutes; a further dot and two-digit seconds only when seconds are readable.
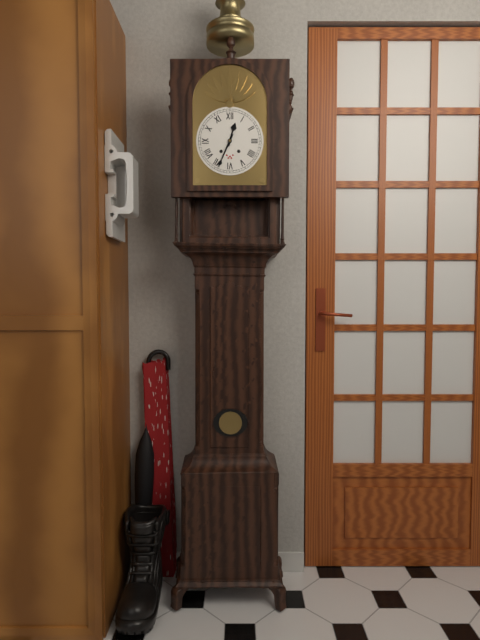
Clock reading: 12.34
